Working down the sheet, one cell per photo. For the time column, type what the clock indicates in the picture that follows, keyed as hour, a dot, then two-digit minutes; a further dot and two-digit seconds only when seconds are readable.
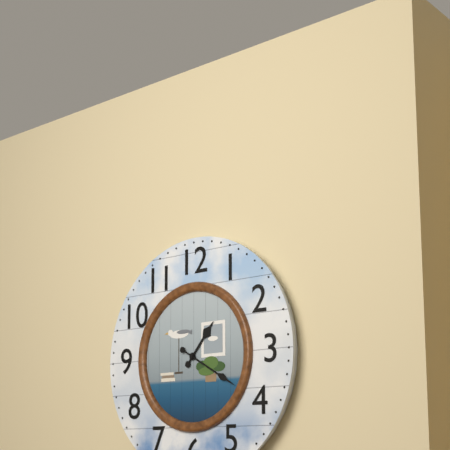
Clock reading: 1.20
